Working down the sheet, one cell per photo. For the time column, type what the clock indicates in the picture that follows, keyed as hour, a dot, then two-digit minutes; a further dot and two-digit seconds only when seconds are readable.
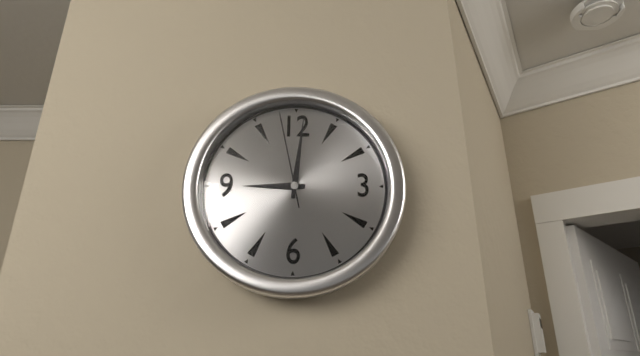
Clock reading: 9.01.58
